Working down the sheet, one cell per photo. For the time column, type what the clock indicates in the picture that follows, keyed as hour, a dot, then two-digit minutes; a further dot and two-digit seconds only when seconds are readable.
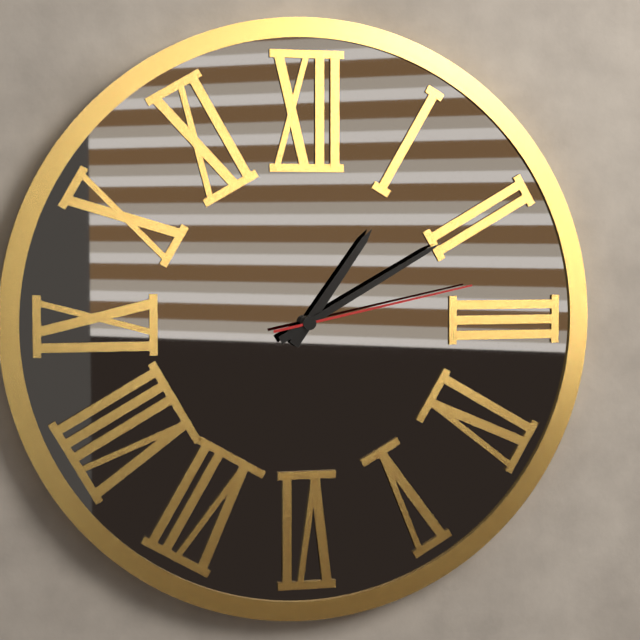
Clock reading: 1.10.13
